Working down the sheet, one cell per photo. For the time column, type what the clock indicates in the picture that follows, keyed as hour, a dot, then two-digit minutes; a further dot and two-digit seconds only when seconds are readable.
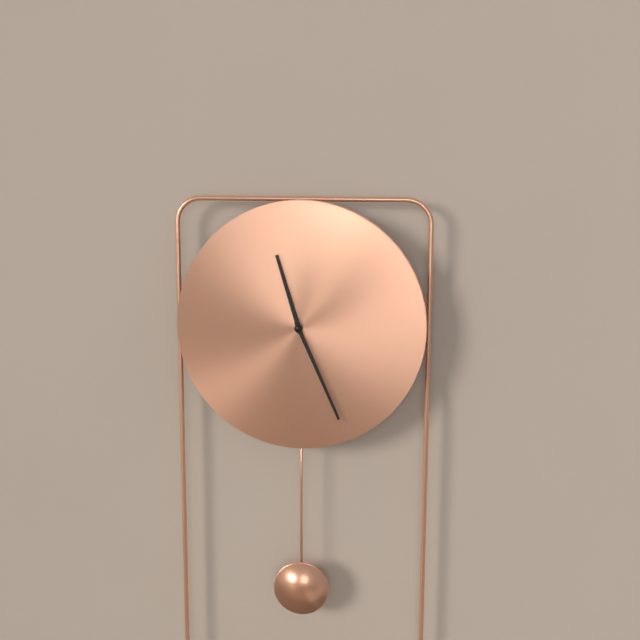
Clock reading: 11.26
